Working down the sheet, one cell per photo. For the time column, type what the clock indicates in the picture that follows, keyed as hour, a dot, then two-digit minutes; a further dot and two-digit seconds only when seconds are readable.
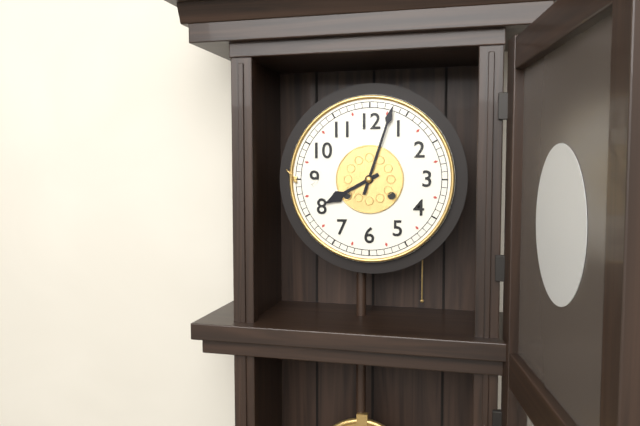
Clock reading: 8.03
